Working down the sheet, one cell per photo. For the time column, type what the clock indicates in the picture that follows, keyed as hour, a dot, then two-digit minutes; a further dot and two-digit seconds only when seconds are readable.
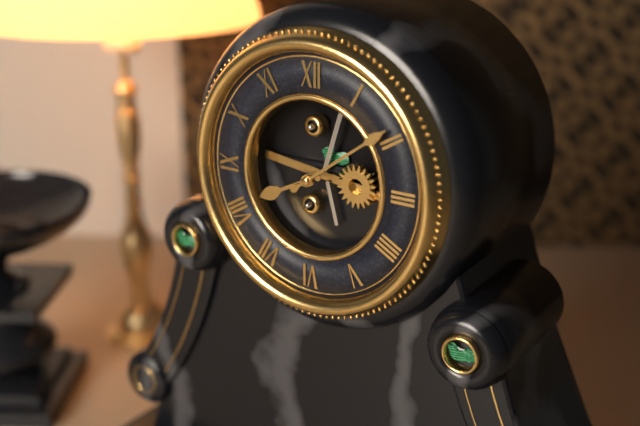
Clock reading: 8.09
